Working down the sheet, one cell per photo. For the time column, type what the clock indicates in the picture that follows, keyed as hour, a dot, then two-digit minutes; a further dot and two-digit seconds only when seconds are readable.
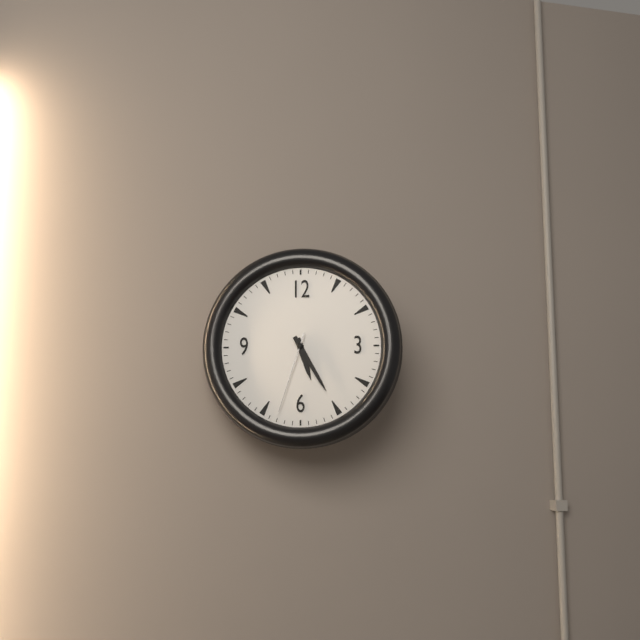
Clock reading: 5.25.33
